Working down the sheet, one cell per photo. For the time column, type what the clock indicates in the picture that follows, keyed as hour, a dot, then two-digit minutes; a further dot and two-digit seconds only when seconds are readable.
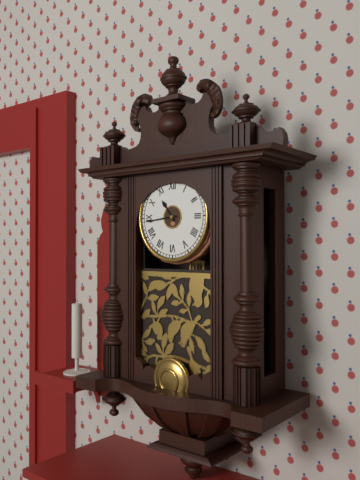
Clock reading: 10.44
